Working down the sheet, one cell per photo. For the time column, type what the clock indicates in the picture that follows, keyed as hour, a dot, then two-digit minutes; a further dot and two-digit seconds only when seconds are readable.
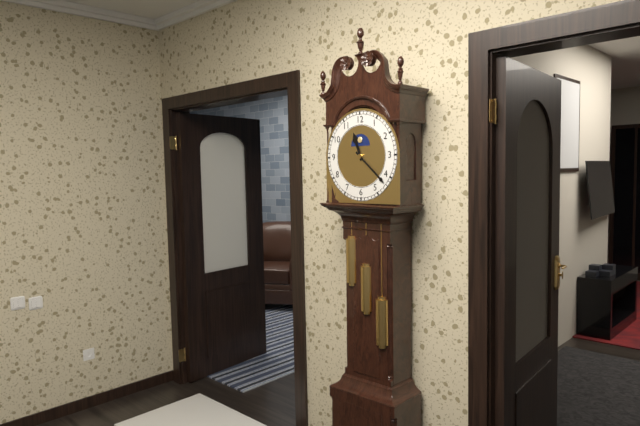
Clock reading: 11.22
